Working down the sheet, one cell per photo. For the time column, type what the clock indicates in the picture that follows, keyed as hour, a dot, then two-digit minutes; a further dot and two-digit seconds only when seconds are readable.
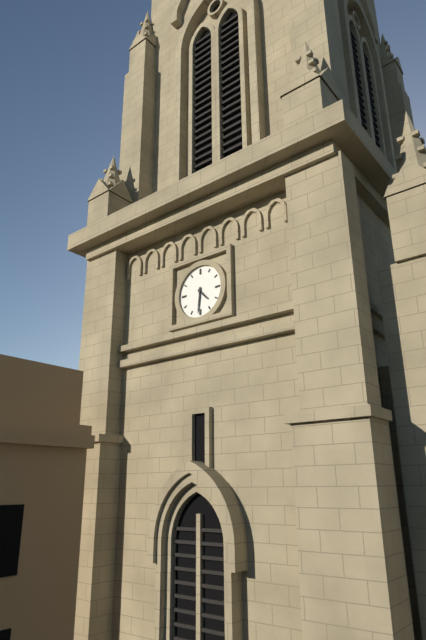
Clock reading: 4.31
